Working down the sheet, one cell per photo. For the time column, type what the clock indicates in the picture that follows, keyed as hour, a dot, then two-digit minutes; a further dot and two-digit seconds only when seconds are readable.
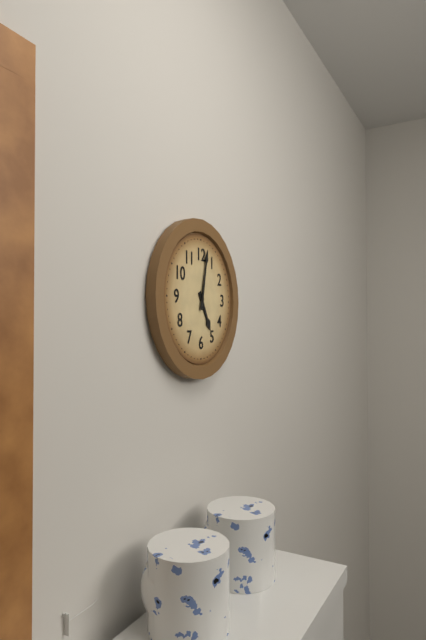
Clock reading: 5.02
